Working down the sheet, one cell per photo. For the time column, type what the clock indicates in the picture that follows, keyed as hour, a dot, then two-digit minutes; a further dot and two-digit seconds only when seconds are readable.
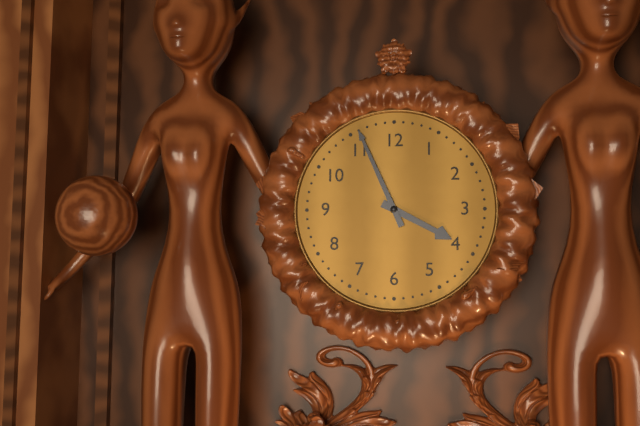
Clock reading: 3.56
